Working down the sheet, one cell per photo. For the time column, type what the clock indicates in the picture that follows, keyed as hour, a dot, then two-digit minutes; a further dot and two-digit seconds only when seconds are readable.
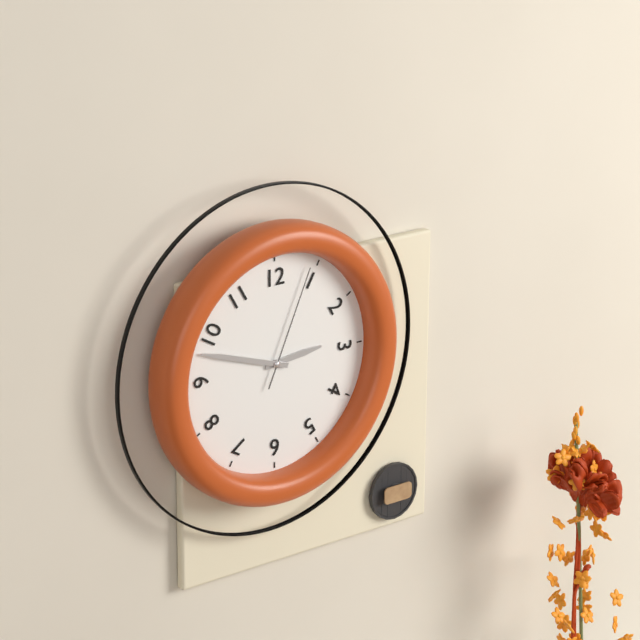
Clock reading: 2.48.04
